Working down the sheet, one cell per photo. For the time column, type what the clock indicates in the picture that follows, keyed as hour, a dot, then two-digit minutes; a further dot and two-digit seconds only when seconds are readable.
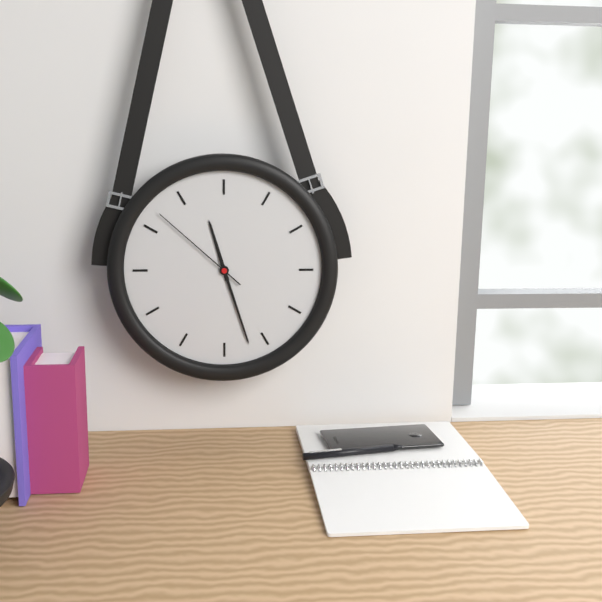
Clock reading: 11.27.52
